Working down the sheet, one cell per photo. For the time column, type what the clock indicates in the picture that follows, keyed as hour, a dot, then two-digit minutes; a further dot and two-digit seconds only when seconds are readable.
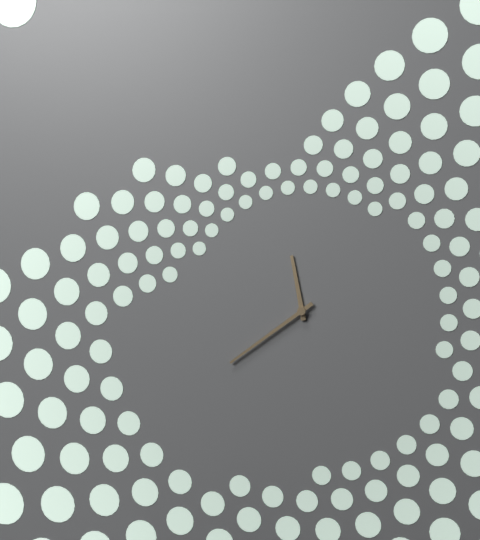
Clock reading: 11.39
